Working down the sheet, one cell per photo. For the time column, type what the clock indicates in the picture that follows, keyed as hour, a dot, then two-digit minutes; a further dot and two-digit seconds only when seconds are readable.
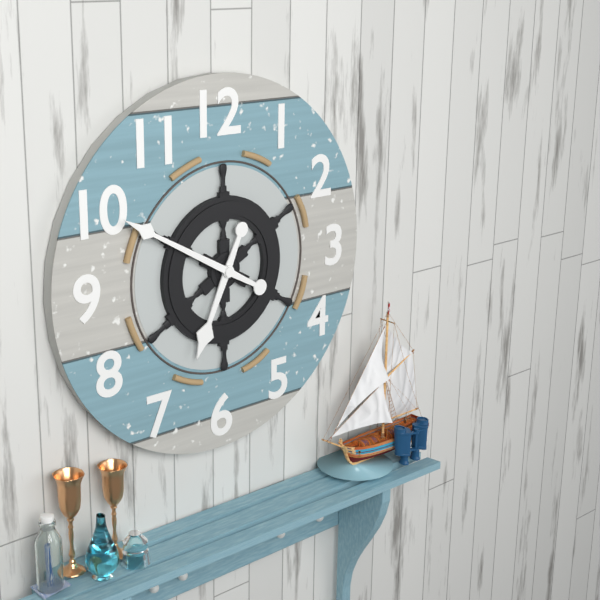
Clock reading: 6.50
